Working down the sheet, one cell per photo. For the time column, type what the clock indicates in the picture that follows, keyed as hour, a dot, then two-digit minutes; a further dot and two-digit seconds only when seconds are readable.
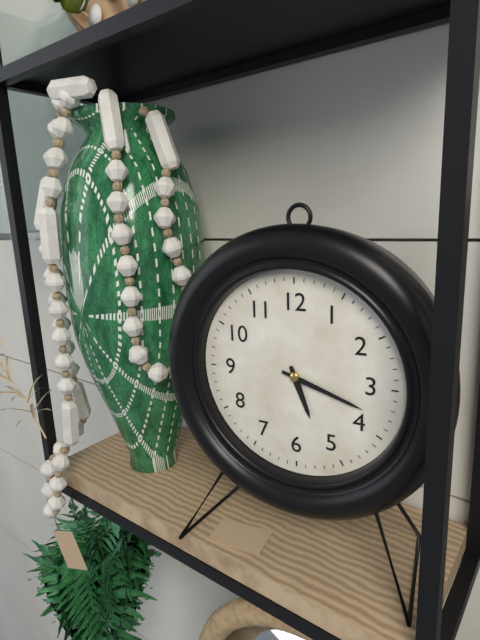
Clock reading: 5.18
